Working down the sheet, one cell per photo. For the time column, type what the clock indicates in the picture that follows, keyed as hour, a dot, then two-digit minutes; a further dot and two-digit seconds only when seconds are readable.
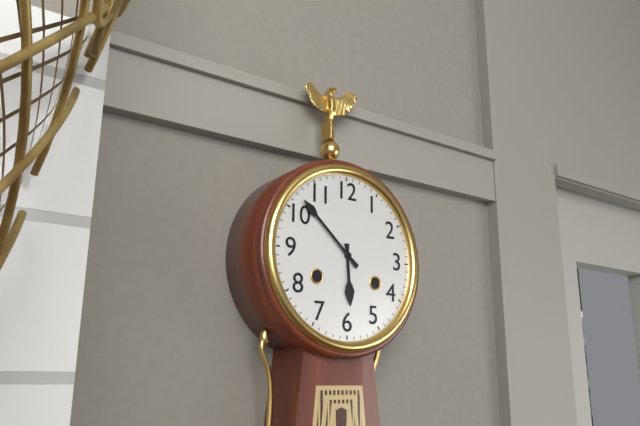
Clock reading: 5.52
